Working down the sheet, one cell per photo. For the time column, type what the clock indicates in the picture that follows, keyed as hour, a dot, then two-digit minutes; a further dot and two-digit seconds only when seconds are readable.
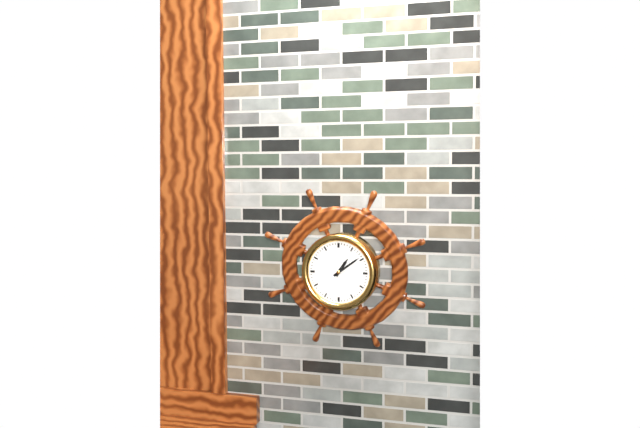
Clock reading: 1.09
